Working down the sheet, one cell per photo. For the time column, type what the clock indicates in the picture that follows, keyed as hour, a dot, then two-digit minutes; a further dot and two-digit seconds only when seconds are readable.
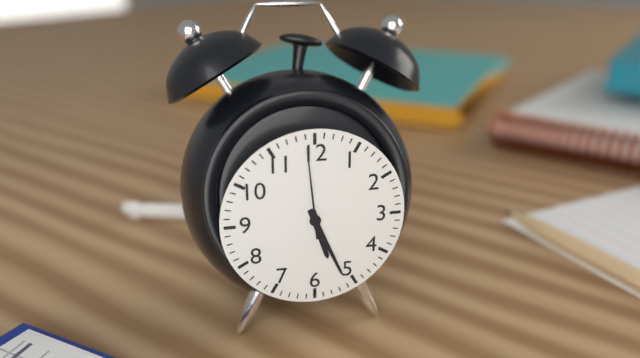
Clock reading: 5.26.59
